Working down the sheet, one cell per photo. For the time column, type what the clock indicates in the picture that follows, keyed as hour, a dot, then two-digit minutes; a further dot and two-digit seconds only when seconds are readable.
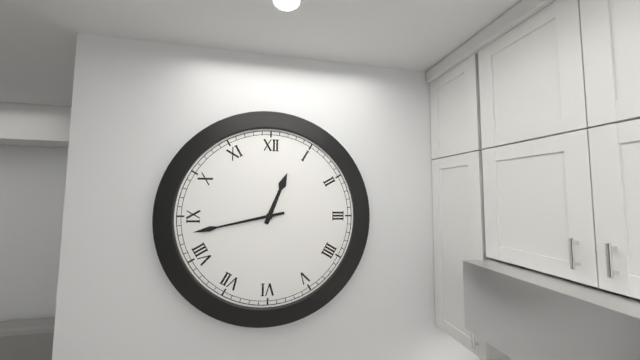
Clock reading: 12.43
